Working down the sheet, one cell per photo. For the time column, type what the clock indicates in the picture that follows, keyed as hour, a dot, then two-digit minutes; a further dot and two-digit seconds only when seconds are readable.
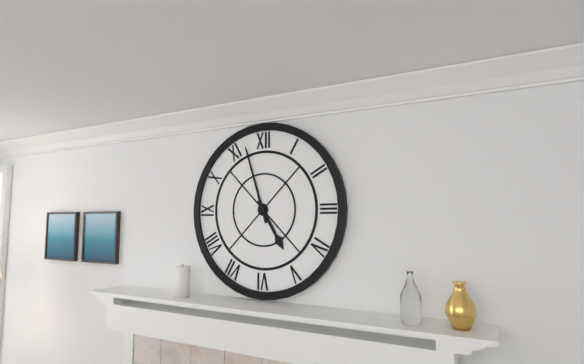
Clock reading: 4.57
